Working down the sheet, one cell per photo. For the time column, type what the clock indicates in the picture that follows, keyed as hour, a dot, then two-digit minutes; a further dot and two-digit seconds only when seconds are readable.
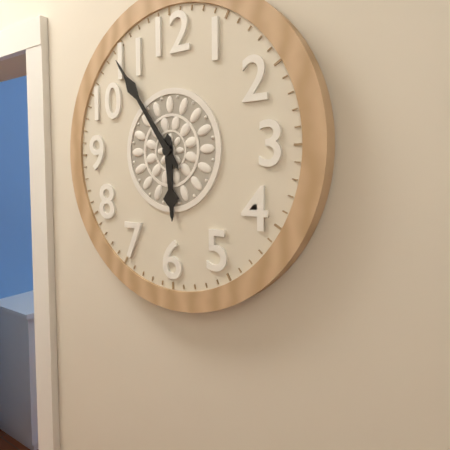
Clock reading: 5.54
